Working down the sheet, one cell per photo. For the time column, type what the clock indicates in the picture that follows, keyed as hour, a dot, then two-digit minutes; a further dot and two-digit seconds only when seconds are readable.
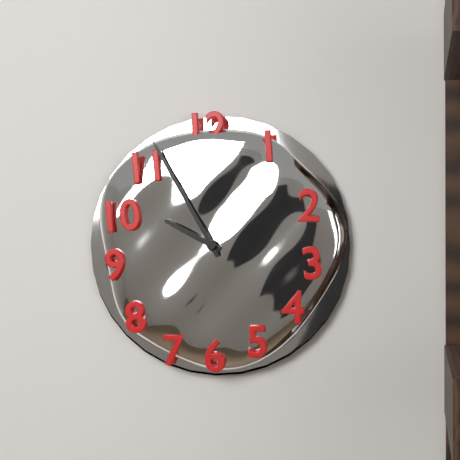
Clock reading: 9.55
